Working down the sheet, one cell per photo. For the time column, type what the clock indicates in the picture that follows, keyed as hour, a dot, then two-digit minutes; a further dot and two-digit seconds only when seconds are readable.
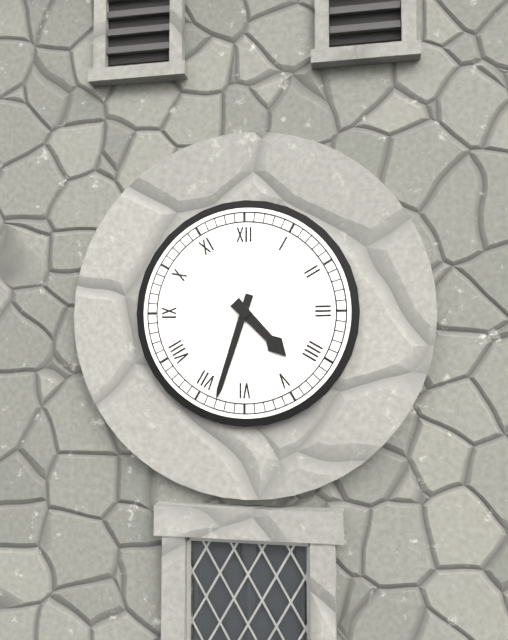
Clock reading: 4.33
